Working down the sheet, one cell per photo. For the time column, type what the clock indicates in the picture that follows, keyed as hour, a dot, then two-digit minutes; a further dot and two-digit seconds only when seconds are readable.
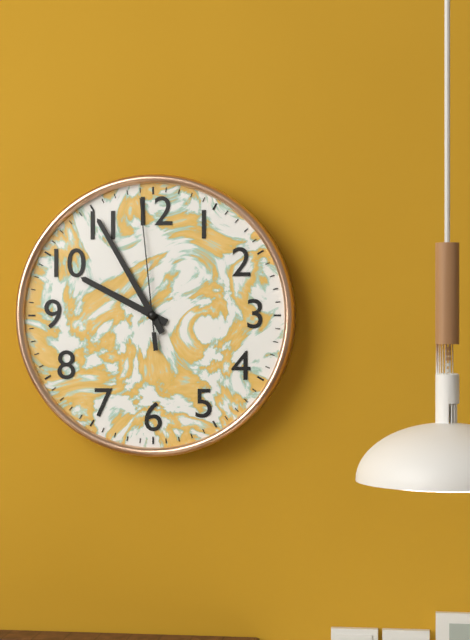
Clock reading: 9.55.59
